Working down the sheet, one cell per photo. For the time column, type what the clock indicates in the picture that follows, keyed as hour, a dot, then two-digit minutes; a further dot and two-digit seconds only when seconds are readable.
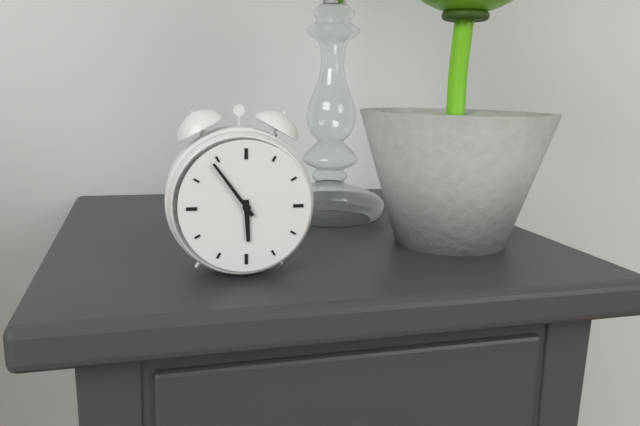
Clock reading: 5.54
